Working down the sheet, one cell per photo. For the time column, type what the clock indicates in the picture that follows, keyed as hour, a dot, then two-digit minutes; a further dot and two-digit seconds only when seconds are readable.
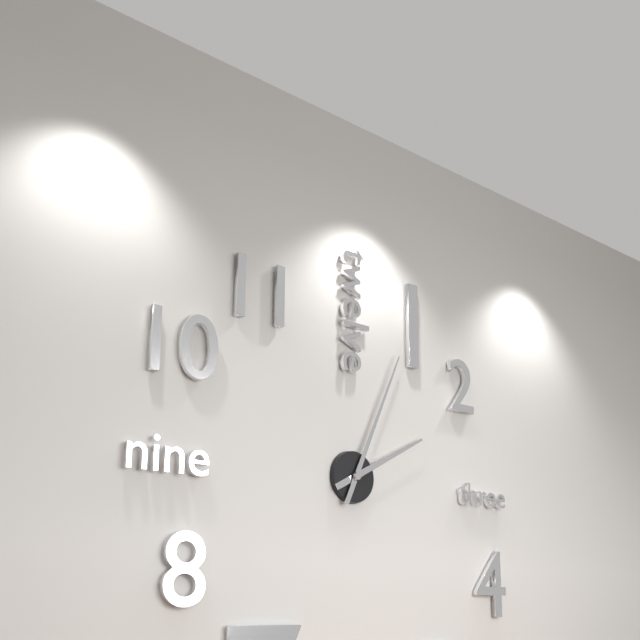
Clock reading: 2.04
